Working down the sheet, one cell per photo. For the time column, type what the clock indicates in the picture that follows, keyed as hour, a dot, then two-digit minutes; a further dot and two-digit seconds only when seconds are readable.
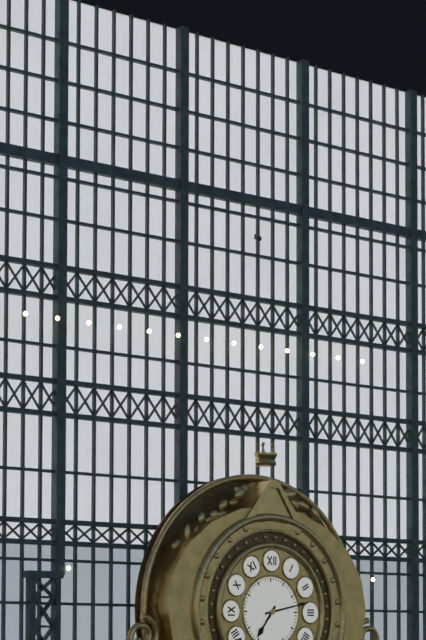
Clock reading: 7.13
